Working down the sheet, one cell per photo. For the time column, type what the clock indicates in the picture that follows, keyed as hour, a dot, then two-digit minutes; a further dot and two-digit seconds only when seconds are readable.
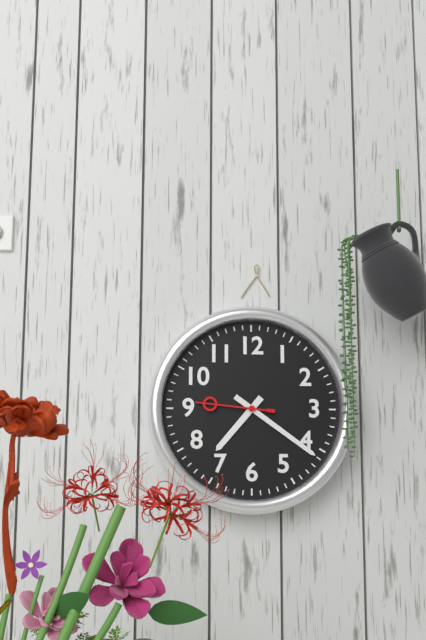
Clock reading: 7.21.46
